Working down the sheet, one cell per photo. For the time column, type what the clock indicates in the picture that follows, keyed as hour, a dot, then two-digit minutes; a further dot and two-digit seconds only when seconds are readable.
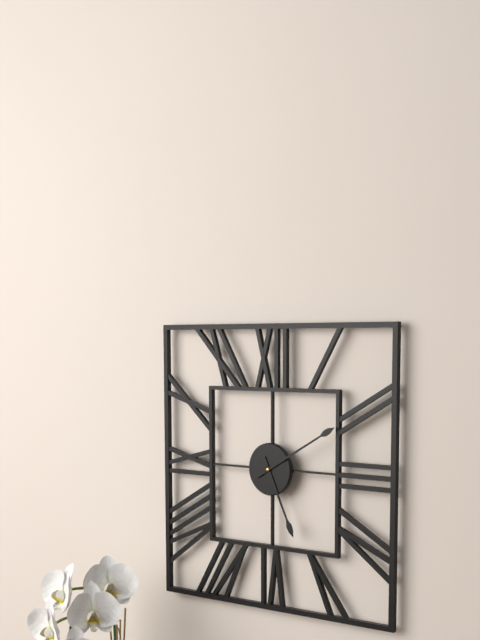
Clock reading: 5.10
